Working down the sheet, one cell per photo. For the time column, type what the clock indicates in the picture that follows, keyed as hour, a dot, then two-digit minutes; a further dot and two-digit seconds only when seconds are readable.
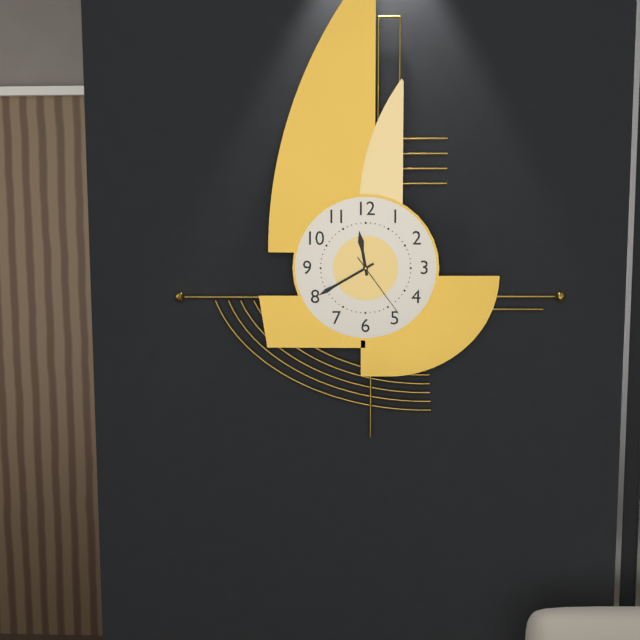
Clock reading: 11.40.24
